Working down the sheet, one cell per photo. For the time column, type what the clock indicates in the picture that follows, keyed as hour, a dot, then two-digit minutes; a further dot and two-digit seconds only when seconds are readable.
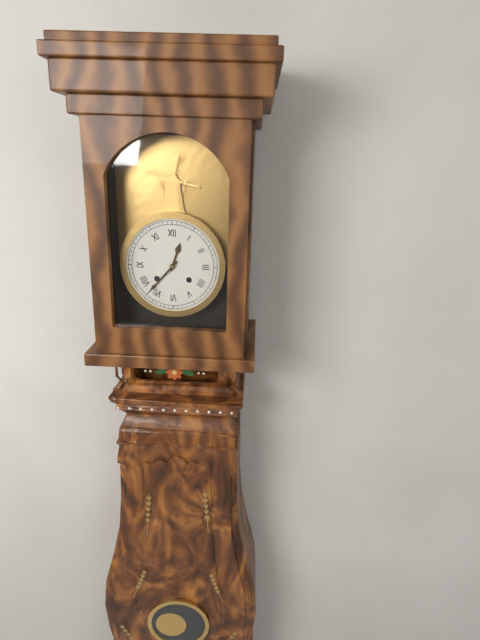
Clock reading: 12.37
